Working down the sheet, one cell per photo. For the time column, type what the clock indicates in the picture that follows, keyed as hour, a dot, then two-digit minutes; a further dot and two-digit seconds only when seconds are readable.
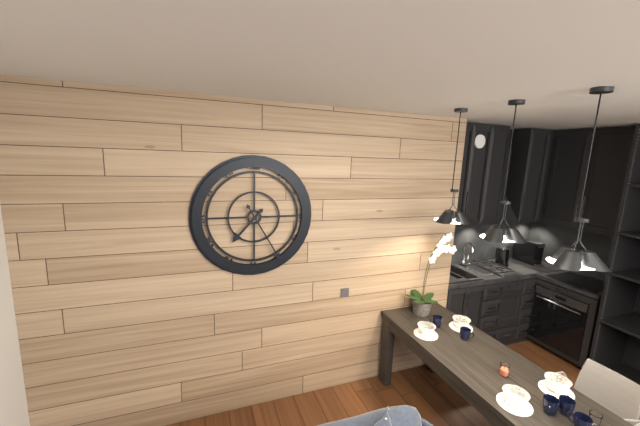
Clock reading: 7.25
